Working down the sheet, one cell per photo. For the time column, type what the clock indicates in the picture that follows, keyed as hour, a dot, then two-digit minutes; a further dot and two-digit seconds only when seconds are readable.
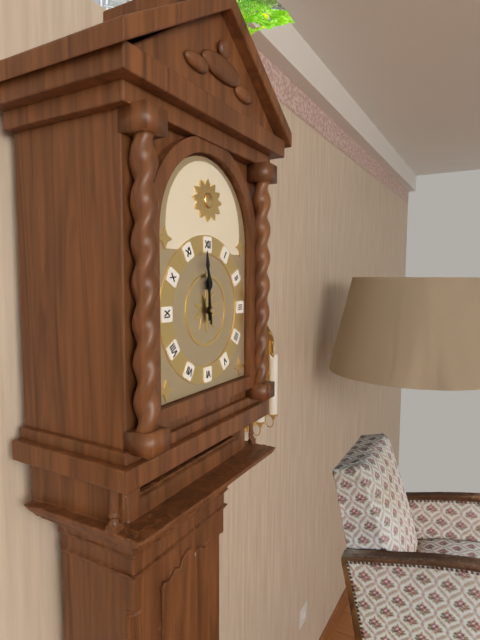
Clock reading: 11.59
